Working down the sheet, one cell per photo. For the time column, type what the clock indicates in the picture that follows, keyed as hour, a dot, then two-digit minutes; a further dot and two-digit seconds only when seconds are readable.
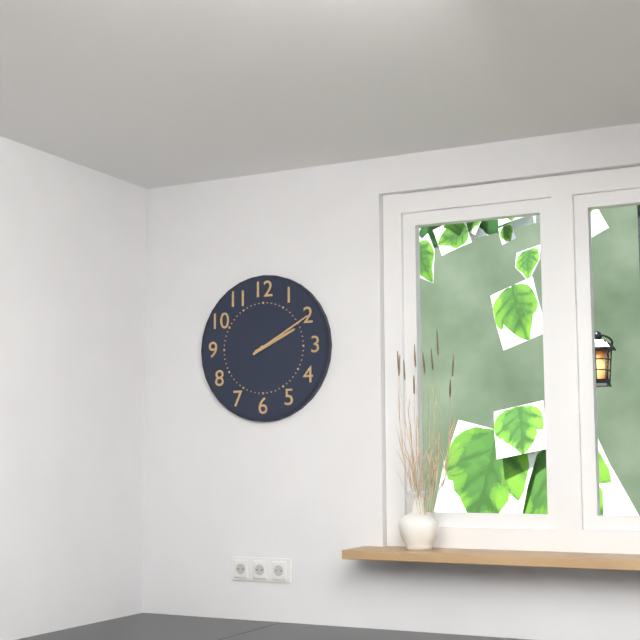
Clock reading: 2.10
